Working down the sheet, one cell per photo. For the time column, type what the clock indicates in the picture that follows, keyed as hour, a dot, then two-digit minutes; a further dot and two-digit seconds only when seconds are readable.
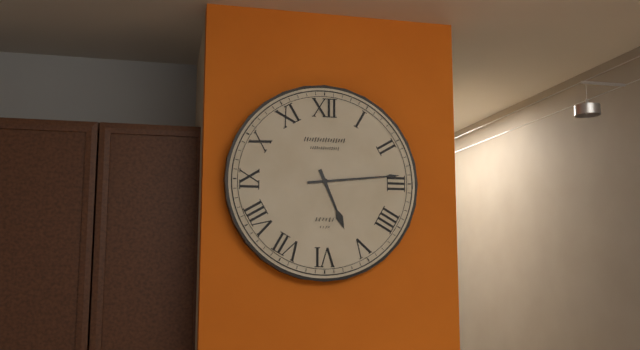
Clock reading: 5.14
